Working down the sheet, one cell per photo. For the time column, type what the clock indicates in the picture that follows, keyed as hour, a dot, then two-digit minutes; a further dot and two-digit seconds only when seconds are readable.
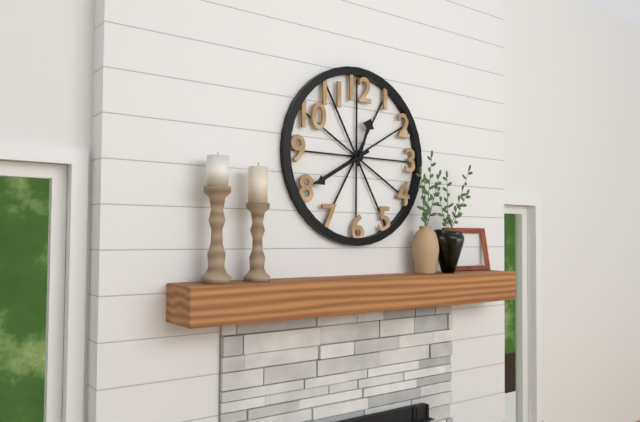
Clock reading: 12.40
